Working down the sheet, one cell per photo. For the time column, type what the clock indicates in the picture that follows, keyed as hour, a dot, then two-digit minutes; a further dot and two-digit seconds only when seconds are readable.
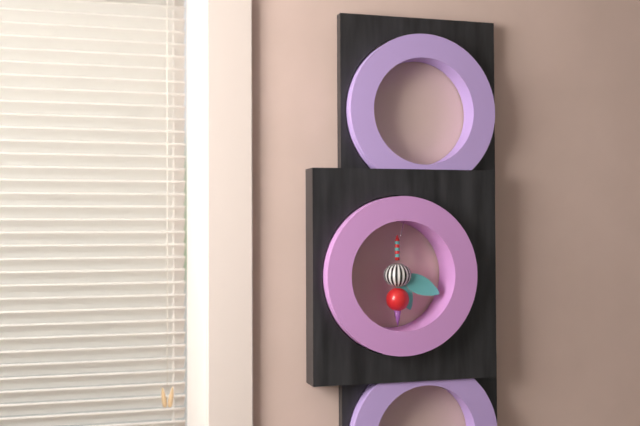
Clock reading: 5.19
